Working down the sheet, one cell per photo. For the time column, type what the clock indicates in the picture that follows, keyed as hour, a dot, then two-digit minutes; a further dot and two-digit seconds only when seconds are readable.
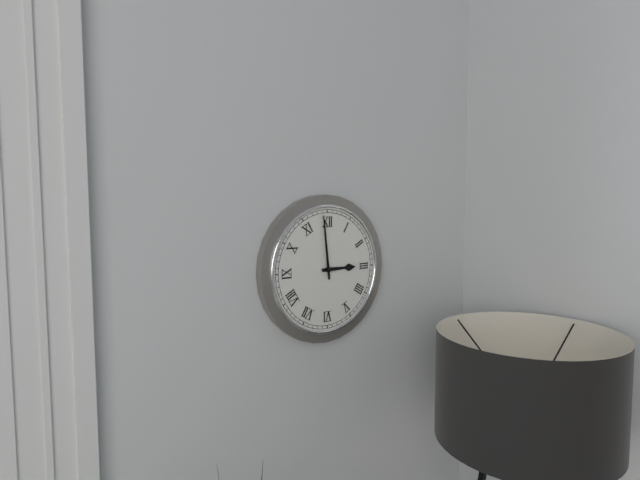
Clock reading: 2.59
